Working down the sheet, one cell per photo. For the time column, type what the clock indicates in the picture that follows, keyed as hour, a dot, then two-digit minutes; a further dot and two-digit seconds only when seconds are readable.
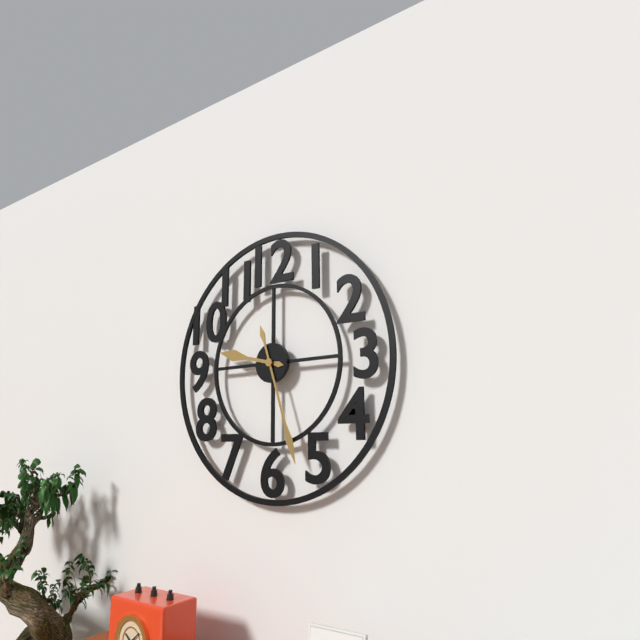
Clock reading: 9.27
